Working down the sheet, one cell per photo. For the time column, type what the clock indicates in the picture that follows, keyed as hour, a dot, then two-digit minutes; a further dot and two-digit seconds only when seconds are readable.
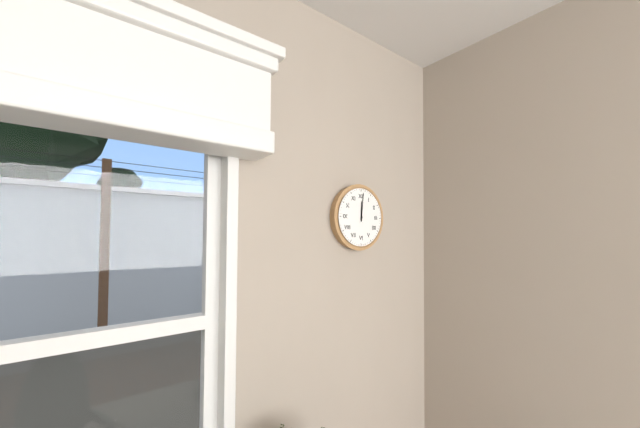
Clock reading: 12.01
